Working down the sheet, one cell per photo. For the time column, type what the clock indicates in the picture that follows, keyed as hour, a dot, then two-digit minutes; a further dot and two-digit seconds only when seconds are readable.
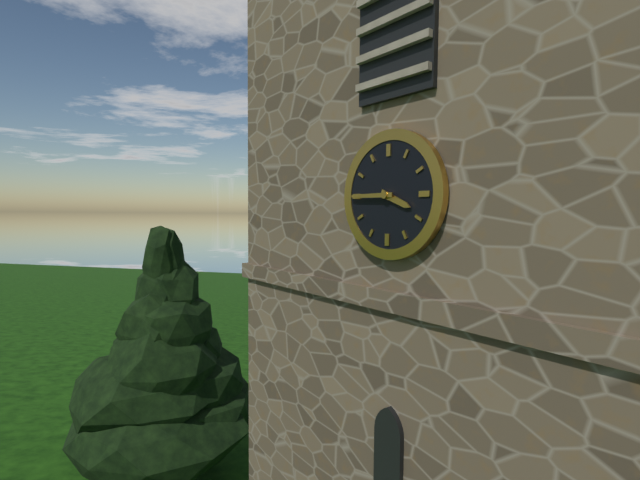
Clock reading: 3.45
